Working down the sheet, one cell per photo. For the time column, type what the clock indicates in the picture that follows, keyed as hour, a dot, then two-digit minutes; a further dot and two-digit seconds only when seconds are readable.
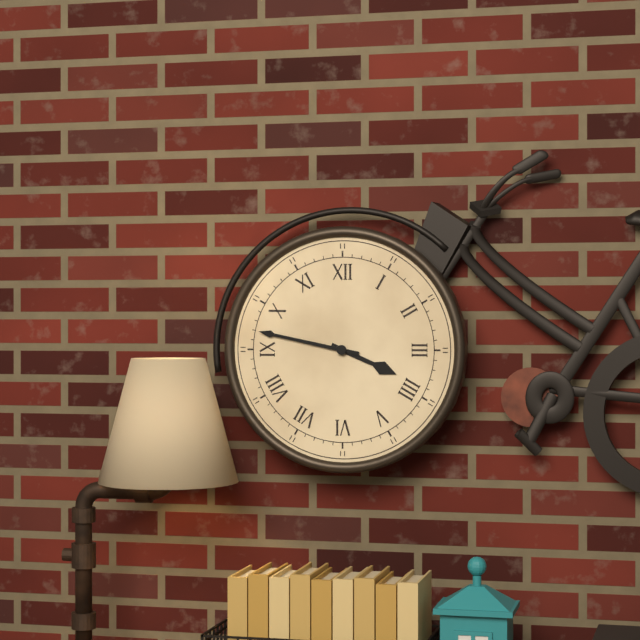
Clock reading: 3.47
